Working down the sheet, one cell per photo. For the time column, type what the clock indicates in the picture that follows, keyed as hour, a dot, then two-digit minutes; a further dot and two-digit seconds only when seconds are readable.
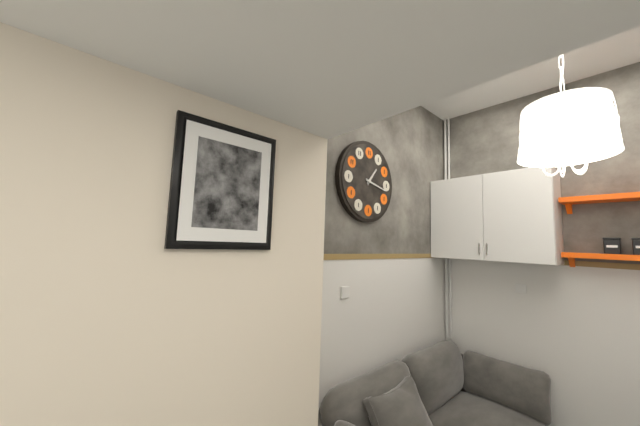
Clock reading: 1.17
